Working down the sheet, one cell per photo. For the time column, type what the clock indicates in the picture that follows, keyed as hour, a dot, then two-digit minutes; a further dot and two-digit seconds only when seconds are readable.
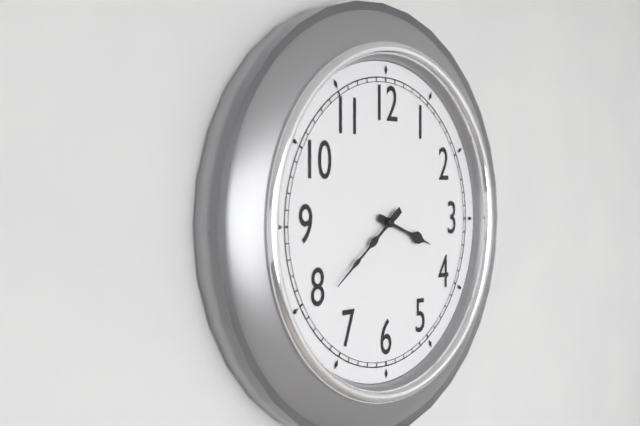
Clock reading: 3.39
